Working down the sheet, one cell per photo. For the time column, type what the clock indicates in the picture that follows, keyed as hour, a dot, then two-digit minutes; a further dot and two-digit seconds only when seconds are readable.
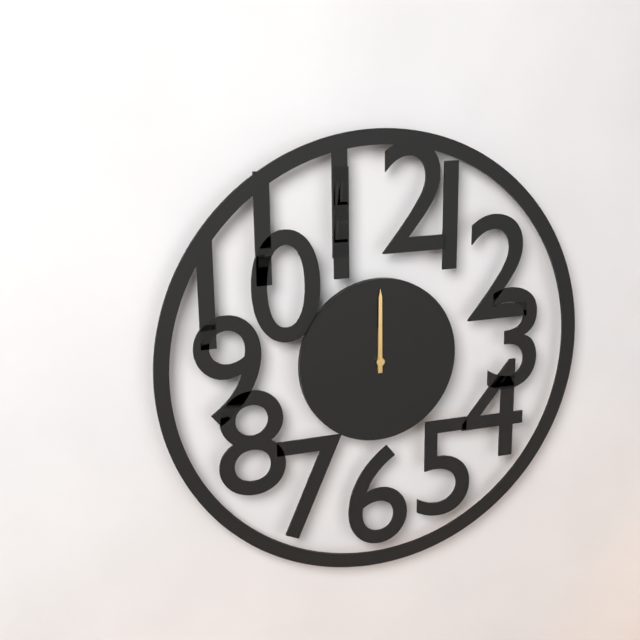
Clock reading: 12.00
